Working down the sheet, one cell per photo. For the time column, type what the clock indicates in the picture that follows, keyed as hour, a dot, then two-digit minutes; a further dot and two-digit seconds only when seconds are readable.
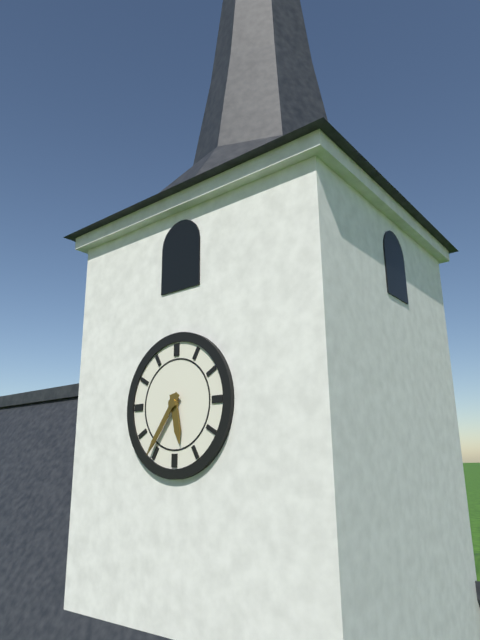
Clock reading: 5.36
